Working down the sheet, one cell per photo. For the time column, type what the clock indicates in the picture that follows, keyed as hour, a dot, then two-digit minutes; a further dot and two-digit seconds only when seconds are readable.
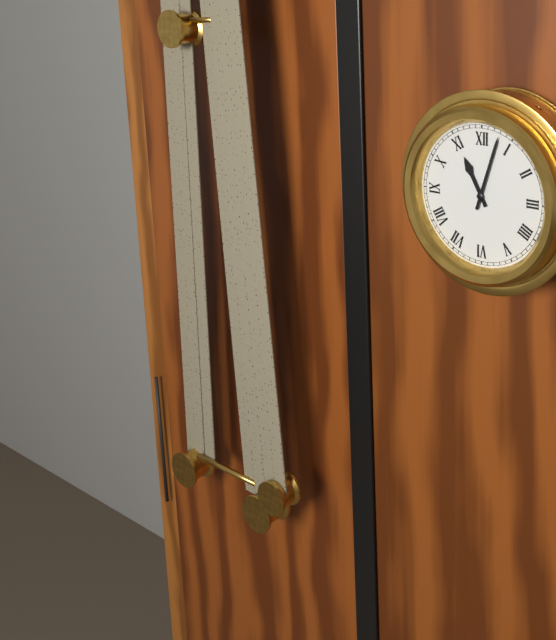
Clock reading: 11.03
